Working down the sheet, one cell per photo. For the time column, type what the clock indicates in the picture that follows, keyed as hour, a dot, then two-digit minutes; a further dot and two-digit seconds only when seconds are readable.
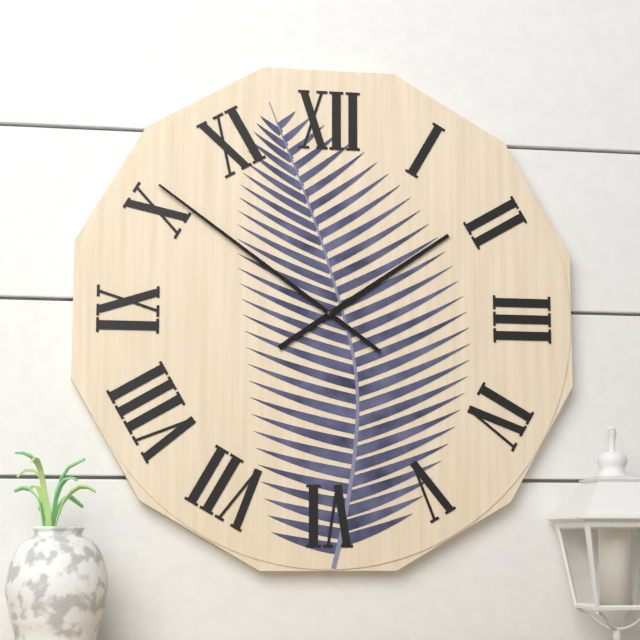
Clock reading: 1.51
